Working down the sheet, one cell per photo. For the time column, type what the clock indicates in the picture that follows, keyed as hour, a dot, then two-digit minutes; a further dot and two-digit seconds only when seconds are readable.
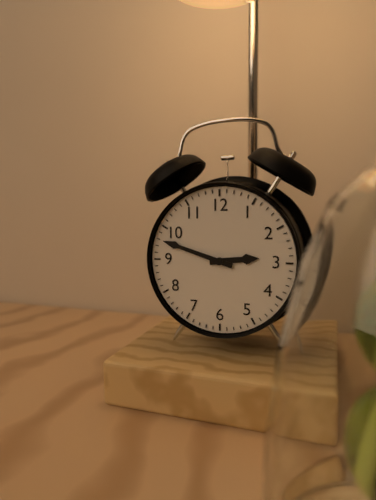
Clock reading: 2.48
